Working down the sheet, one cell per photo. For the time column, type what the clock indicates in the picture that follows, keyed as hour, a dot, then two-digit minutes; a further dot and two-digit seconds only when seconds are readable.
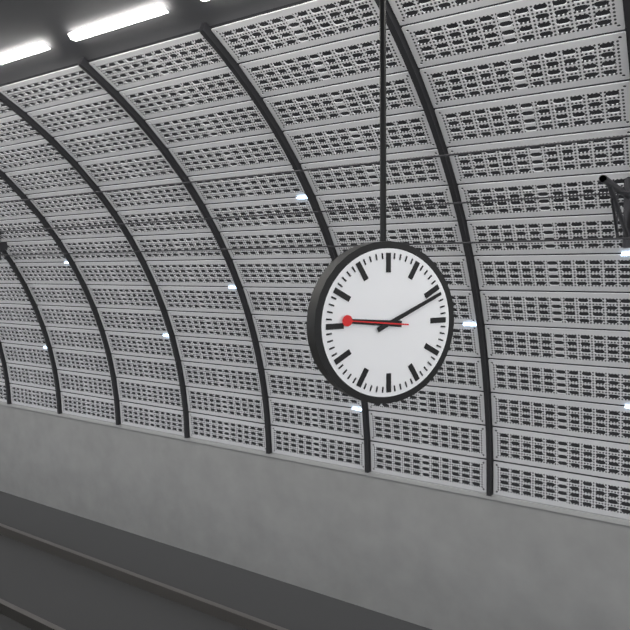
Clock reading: 9.11.46
